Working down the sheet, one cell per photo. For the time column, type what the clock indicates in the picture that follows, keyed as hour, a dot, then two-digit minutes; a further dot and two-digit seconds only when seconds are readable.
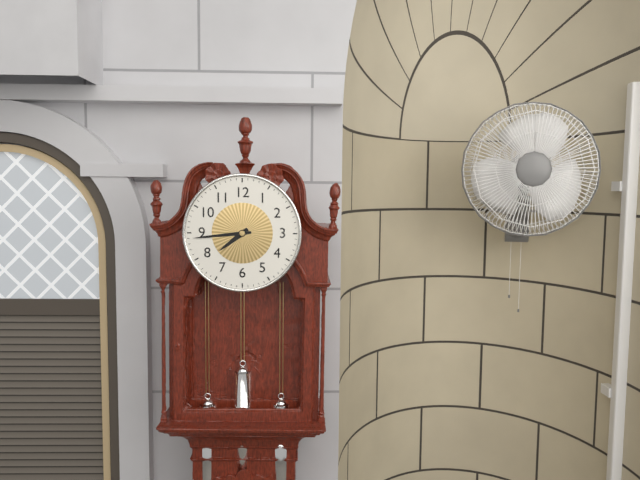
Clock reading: 7.44
